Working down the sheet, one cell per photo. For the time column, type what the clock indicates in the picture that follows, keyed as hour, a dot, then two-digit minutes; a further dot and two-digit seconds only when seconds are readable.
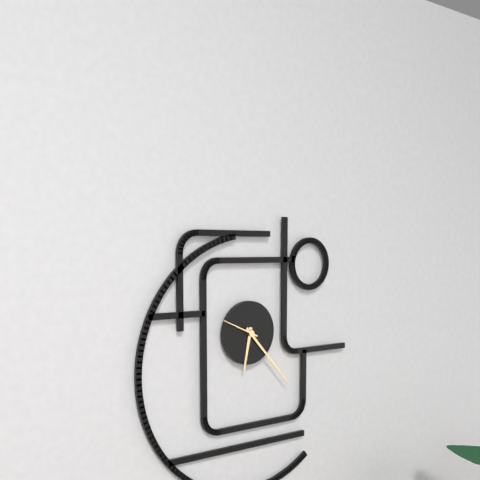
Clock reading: 6.23
